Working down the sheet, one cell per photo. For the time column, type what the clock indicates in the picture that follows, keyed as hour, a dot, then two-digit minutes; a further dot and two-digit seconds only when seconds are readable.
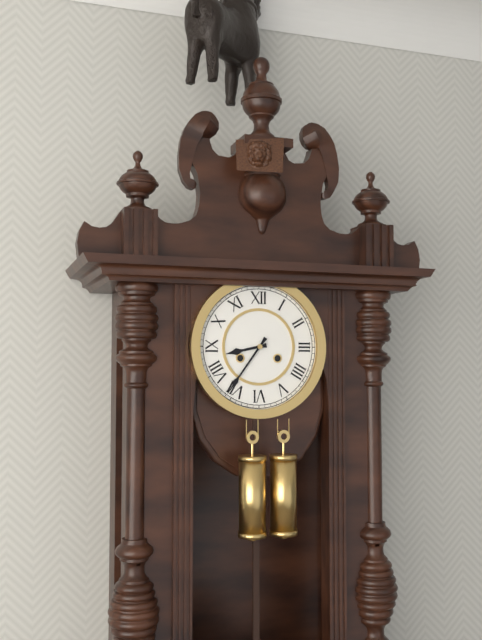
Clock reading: 8.36
